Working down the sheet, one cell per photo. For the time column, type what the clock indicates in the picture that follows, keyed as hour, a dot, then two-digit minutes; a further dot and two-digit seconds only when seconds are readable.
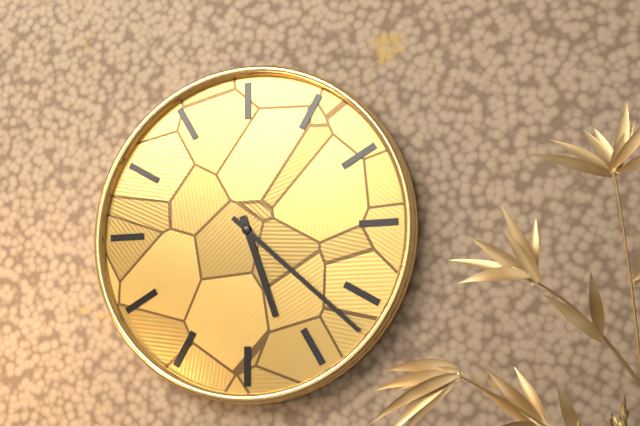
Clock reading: 5.22
